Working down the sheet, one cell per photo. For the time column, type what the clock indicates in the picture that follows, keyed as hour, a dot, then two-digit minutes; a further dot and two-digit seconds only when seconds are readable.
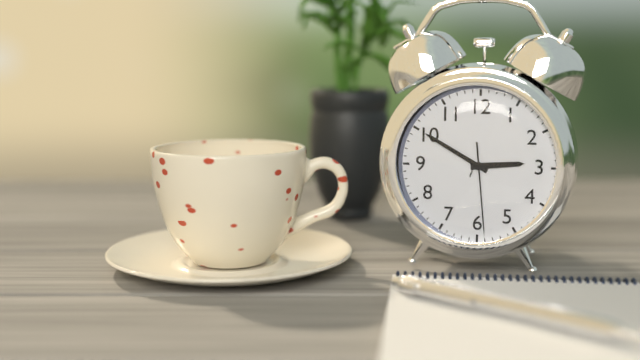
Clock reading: 2.50.29
